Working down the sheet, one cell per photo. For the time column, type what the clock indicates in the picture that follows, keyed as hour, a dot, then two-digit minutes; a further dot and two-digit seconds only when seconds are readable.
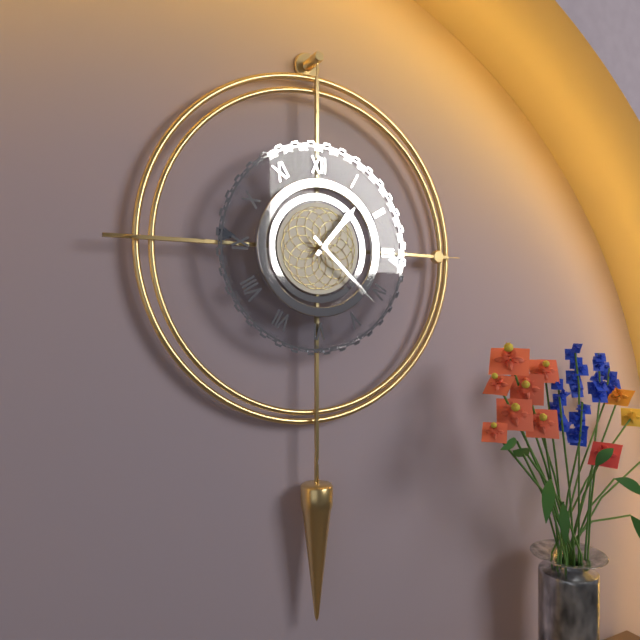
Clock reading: 1.22
